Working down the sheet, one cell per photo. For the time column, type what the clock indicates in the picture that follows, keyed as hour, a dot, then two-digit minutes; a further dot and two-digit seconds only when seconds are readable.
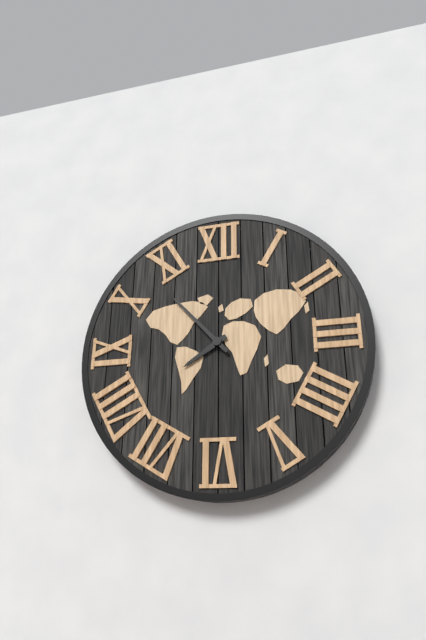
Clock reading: 7.53
